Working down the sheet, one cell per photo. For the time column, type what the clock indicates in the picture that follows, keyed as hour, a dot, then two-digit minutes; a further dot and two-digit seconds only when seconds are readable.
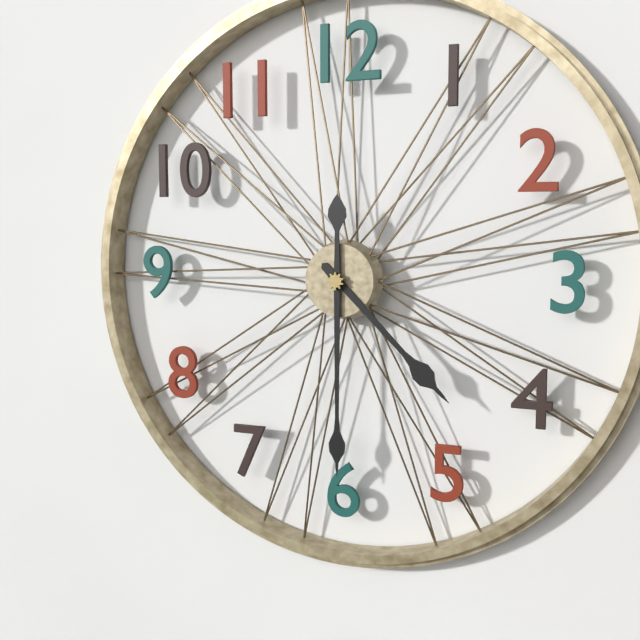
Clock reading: 4.30
